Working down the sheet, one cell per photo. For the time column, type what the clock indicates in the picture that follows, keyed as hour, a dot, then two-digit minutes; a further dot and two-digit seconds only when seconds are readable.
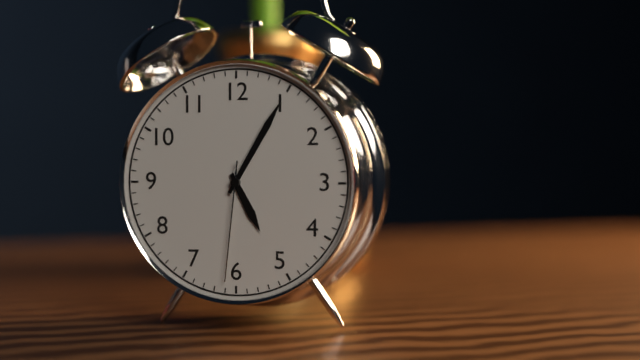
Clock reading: 5.05.31
